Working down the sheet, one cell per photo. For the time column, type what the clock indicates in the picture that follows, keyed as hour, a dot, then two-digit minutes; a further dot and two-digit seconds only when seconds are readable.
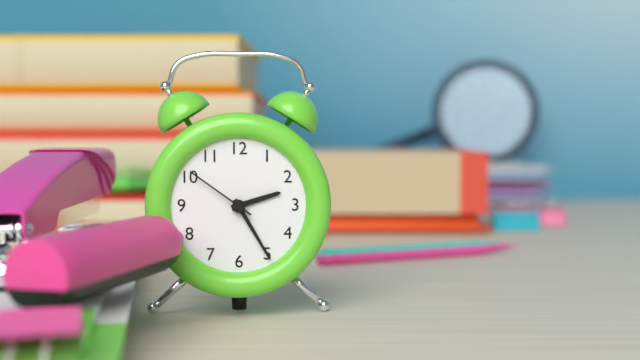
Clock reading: 2.25.51
